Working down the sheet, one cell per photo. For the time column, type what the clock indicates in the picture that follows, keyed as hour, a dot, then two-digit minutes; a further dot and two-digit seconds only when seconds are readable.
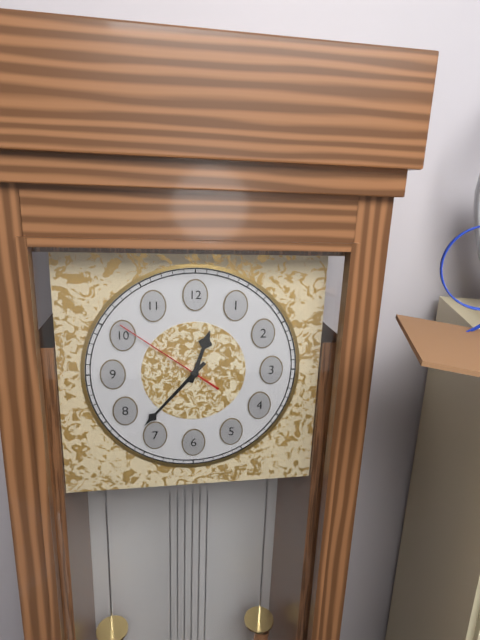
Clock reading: 12.37.51
